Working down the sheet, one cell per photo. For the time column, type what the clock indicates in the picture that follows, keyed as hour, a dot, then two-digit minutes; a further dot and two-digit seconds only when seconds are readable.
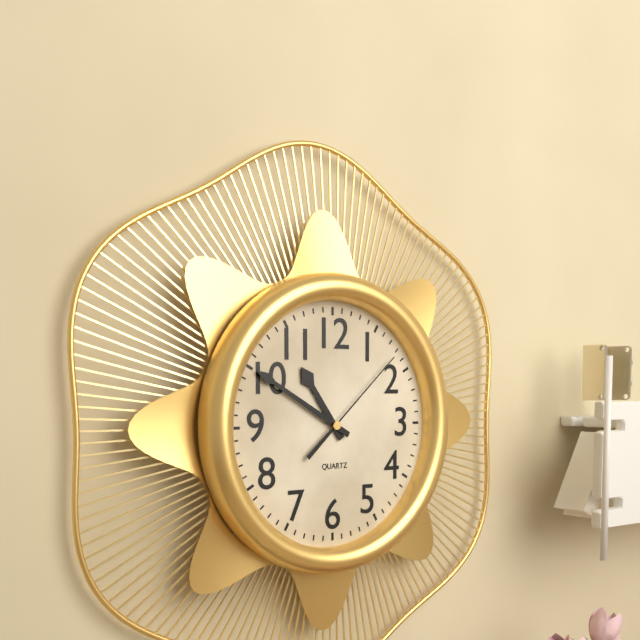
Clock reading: 10.50.08
